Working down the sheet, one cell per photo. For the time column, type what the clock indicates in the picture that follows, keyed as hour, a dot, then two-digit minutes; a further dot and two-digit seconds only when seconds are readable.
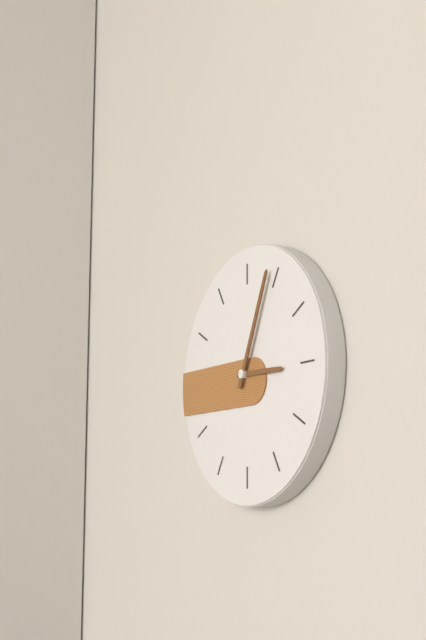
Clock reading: 3.04
